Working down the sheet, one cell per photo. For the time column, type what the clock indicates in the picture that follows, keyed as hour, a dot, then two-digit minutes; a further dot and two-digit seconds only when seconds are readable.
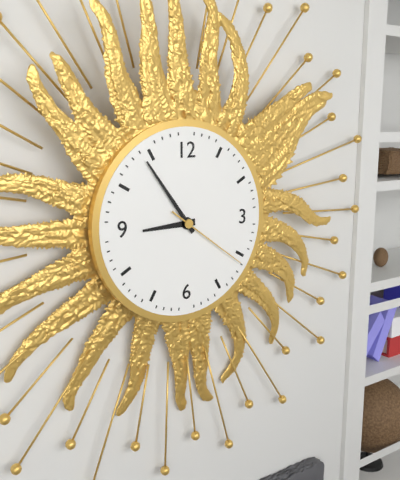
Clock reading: 8.54.21
